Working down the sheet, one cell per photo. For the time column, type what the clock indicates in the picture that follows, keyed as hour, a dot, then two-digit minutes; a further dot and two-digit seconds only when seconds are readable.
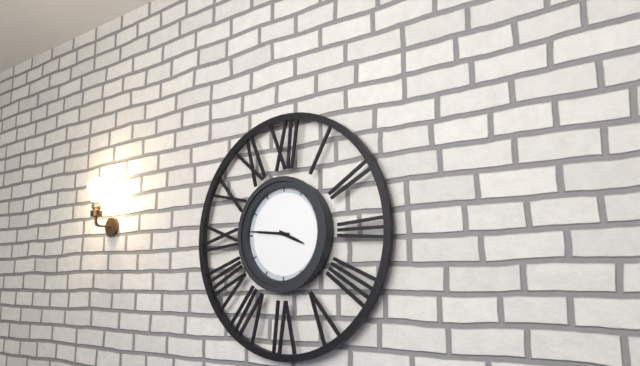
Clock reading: 3.46
